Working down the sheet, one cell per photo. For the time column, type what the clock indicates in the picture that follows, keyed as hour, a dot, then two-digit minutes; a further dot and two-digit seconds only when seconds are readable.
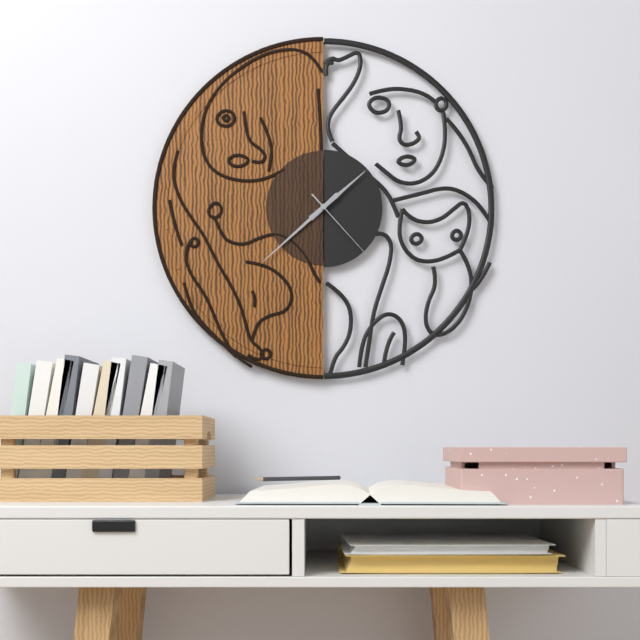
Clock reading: 1.38.23
